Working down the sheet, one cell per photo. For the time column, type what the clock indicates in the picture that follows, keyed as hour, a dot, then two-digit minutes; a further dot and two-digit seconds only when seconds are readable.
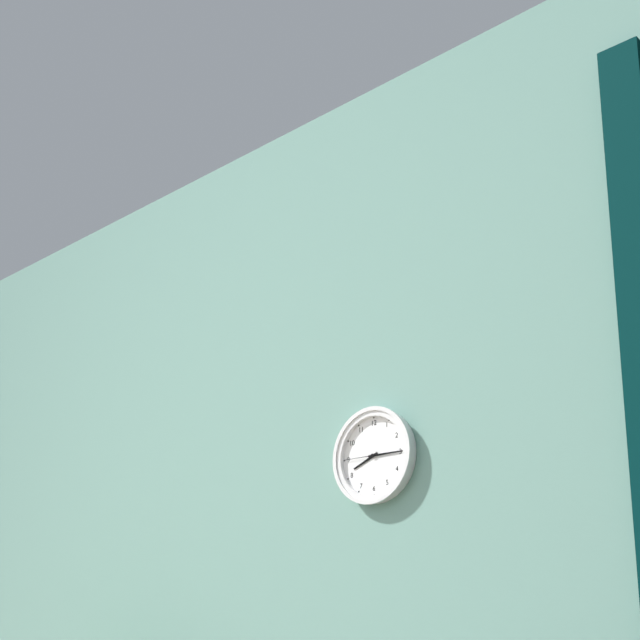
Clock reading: 8.15
